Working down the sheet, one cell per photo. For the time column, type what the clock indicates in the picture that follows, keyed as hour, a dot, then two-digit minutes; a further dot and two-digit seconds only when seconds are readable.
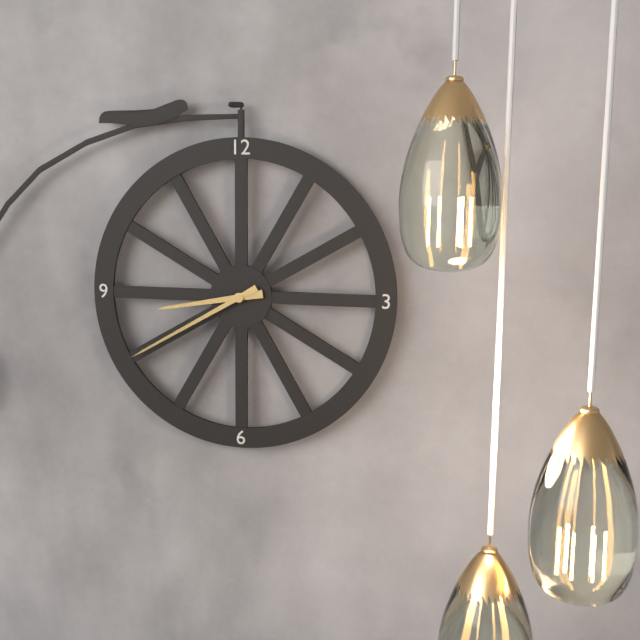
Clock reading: 8.40
